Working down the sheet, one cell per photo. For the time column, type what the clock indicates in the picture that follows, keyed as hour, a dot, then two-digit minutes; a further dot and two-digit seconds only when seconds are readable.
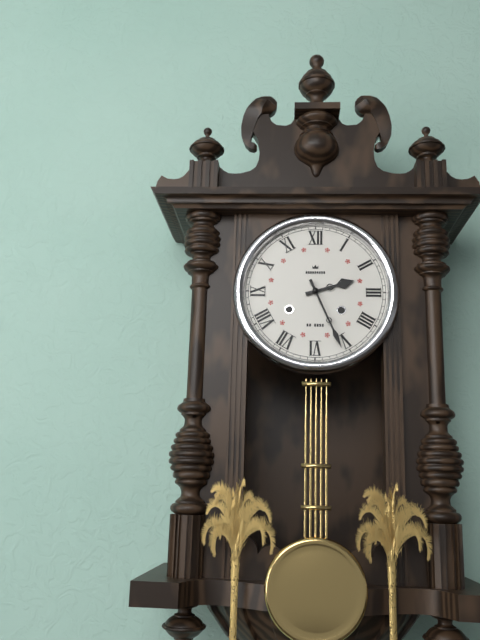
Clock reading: 2.26
